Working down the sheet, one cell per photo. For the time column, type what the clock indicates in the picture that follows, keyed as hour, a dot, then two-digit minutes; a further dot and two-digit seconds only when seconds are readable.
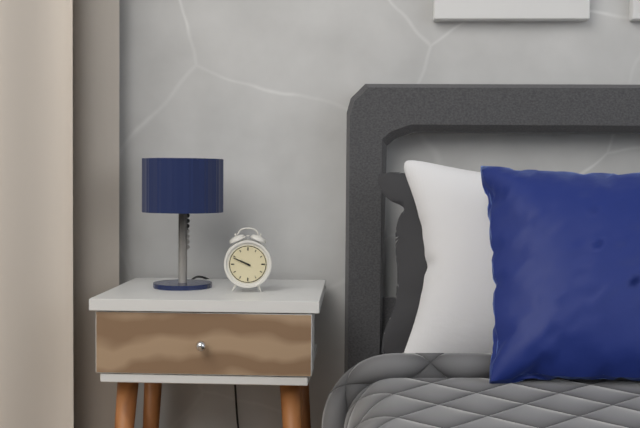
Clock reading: 9.49
